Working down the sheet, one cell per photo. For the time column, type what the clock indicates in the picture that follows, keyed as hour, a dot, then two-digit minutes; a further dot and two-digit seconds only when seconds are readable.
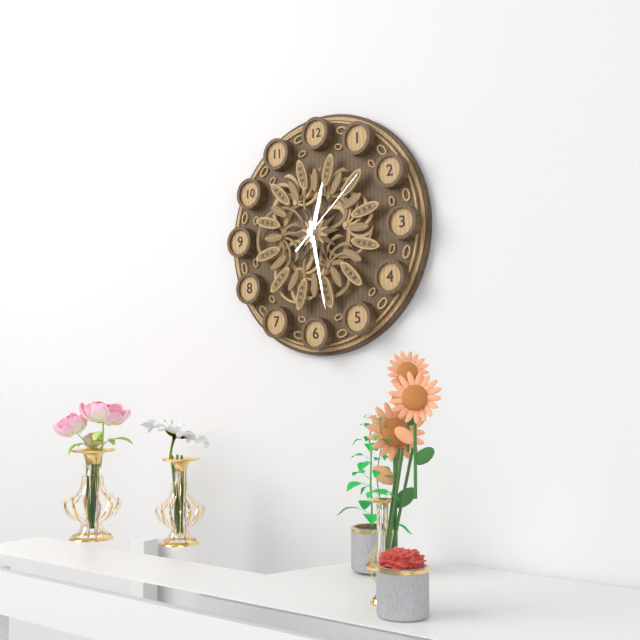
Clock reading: 12.28.08
